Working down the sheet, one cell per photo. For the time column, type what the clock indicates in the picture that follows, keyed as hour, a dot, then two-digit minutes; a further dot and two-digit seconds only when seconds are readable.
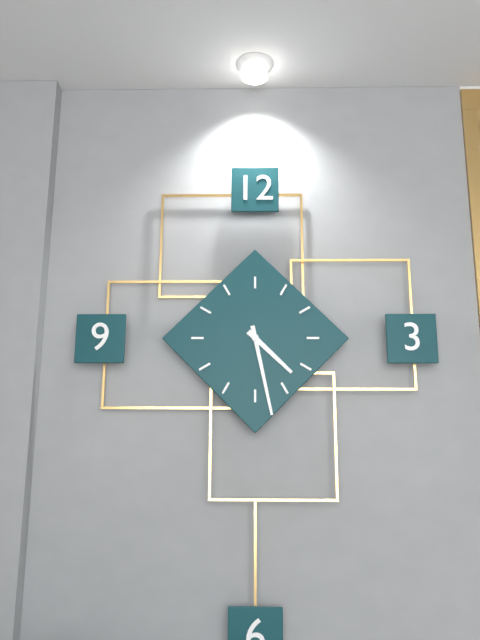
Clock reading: 4.28
